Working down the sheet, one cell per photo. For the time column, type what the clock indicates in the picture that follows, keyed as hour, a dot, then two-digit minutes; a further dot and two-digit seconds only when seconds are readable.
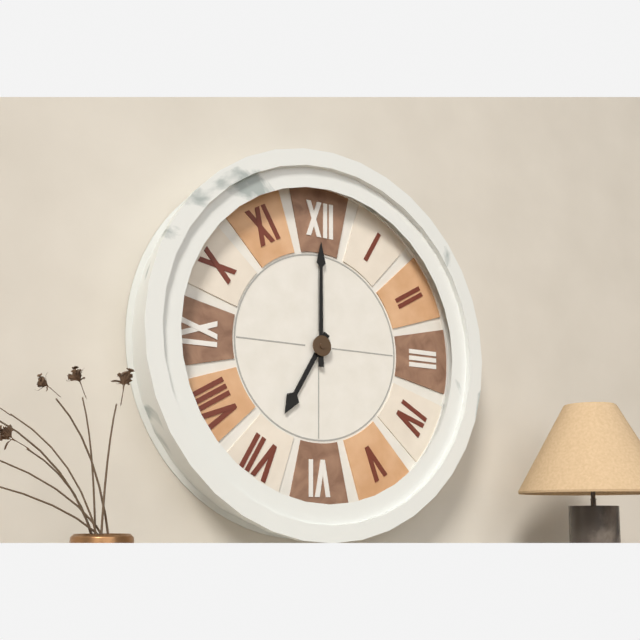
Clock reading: 7.00
